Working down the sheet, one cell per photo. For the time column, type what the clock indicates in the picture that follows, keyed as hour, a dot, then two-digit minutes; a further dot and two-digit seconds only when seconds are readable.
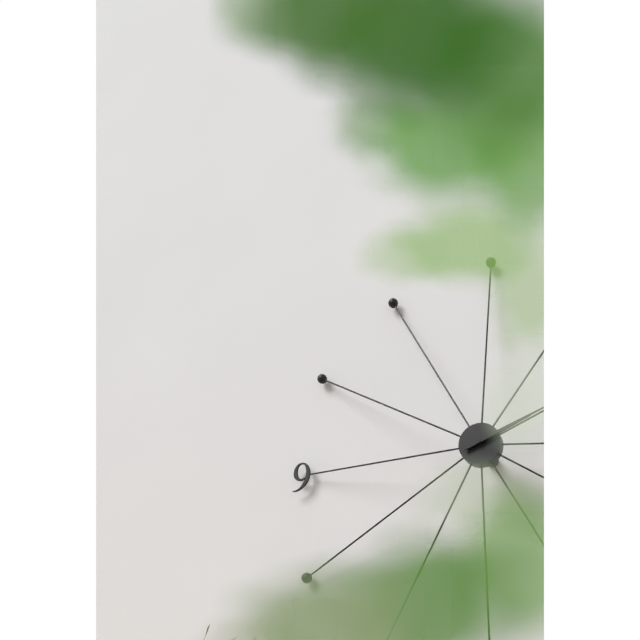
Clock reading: 2.11
